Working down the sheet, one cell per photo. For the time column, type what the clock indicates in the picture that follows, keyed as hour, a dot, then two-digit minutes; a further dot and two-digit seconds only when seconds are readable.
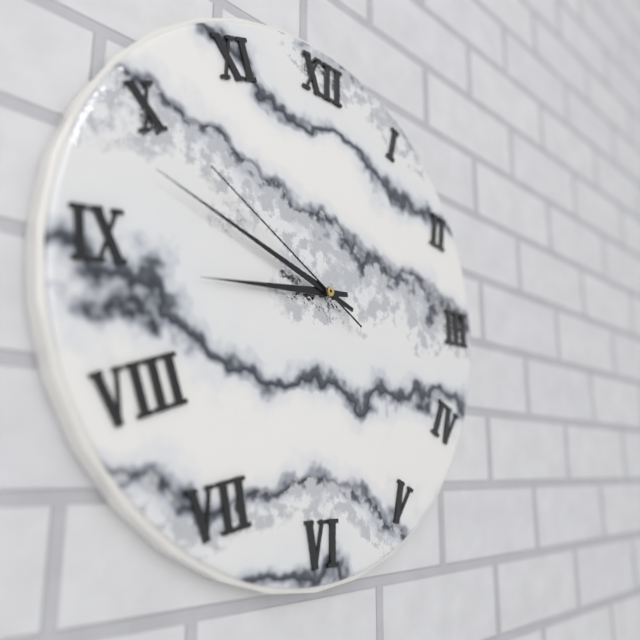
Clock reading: 8.48.50
